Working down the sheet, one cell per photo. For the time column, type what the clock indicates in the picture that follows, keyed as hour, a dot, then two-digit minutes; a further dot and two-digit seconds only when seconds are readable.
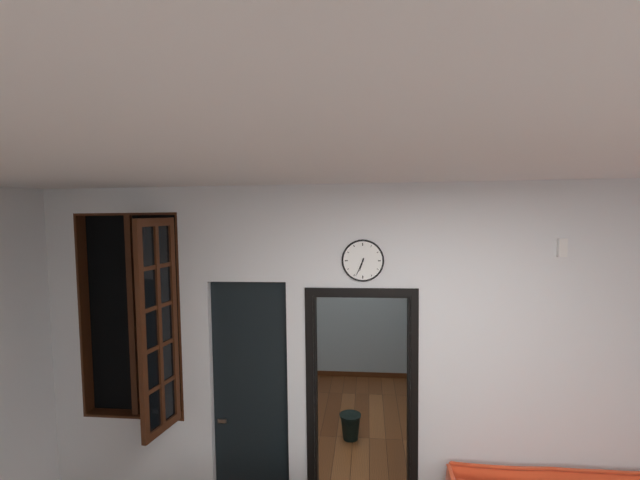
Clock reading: 6.34
